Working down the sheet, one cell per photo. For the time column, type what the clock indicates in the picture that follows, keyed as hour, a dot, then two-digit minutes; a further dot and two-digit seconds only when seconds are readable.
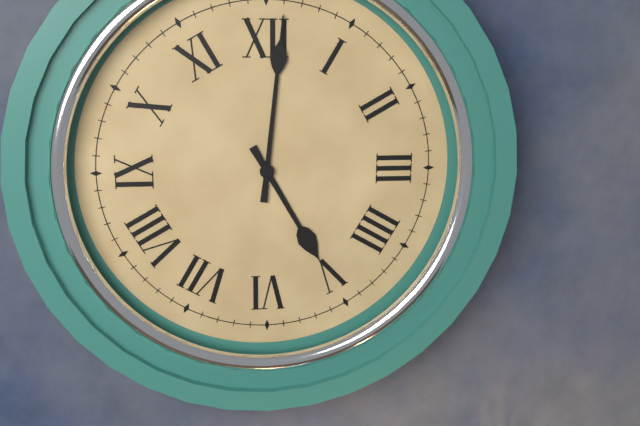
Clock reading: 5.01
